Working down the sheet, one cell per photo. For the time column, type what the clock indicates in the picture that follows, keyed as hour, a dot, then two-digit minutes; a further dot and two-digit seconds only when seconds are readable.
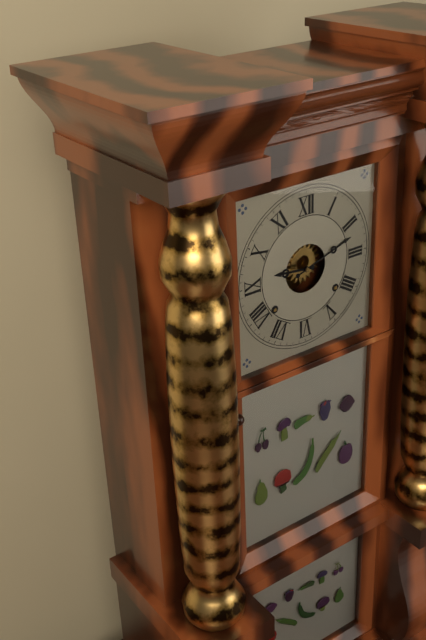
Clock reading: 9.12
